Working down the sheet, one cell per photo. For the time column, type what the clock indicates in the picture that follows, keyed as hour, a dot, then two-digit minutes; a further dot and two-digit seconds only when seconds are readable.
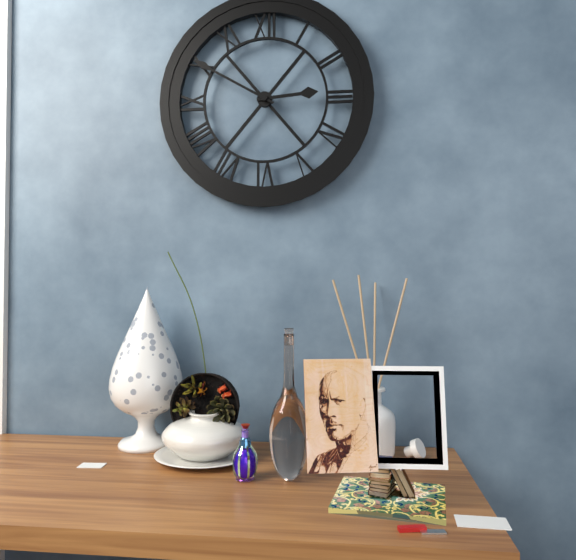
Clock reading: 2.50
